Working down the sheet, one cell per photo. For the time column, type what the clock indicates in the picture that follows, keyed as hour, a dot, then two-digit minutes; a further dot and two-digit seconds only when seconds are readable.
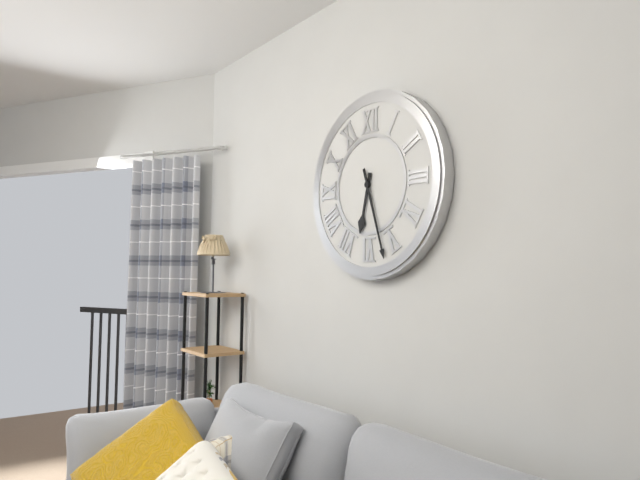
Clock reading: 6.27
